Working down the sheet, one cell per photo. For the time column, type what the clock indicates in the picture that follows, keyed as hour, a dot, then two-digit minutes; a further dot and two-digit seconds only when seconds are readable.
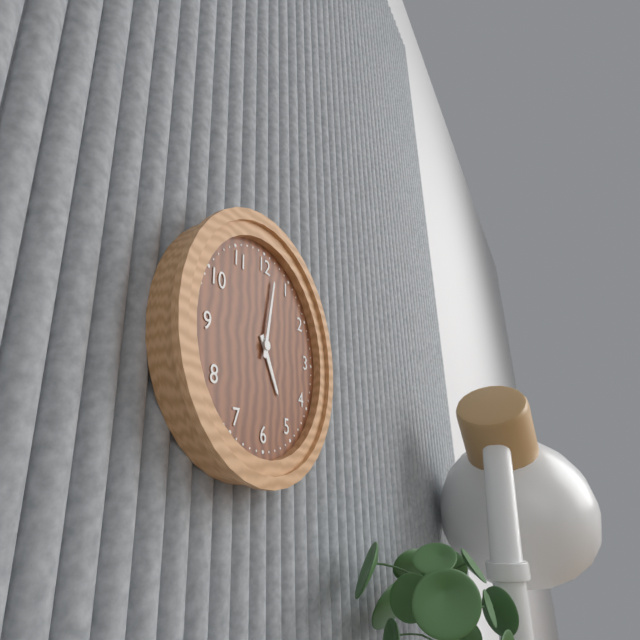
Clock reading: 5.02
